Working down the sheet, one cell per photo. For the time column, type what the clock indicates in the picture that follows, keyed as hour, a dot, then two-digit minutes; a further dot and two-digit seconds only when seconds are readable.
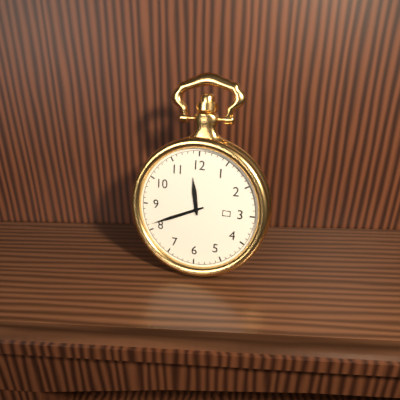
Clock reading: 11.41
